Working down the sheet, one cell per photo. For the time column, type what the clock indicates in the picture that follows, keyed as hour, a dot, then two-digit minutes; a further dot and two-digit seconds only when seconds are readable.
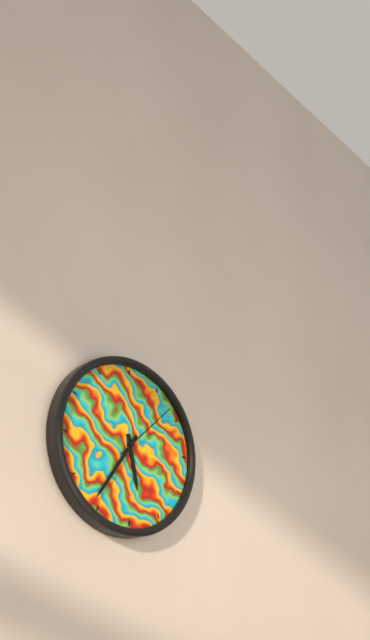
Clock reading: 5.36.08
